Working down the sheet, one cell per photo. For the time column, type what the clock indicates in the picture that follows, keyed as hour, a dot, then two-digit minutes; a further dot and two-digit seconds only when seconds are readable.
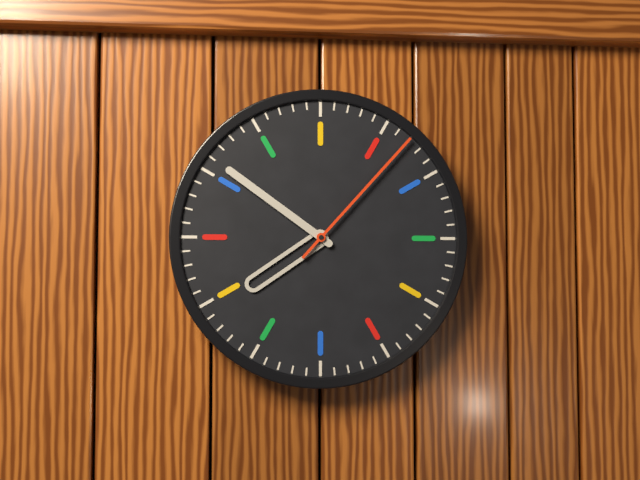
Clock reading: 7.51.07
